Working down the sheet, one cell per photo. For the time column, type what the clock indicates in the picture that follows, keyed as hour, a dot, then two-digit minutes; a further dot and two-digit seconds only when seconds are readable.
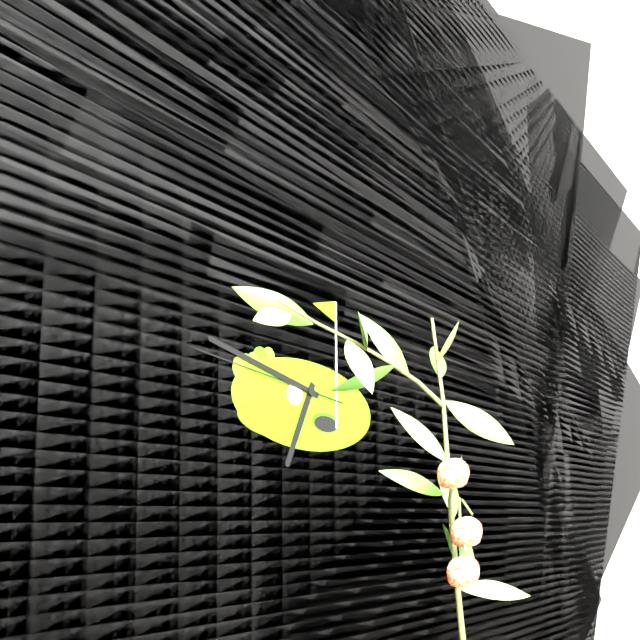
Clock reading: 6.47.46
